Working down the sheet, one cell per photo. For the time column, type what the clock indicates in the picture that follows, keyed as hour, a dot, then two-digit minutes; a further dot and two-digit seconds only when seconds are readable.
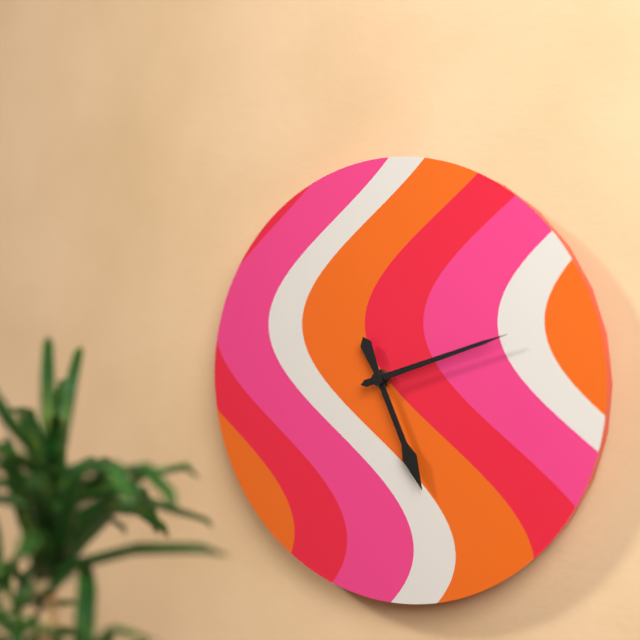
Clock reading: 5.12
